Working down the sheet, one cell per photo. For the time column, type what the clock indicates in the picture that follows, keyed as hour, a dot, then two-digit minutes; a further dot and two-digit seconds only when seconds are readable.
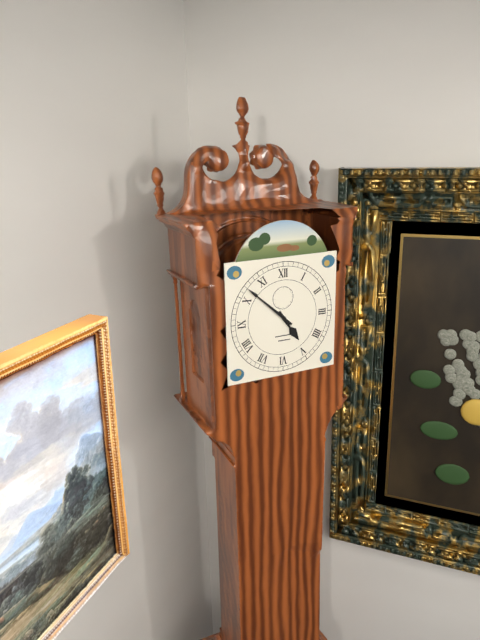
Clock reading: 4.52
